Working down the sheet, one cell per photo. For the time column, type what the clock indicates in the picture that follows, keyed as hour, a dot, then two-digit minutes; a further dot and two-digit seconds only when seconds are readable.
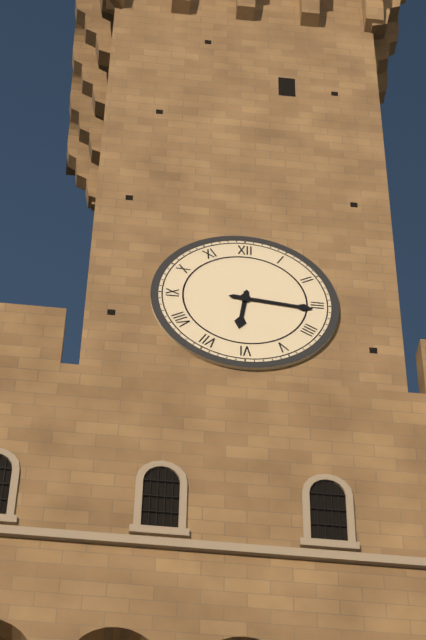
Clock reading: 6.16
